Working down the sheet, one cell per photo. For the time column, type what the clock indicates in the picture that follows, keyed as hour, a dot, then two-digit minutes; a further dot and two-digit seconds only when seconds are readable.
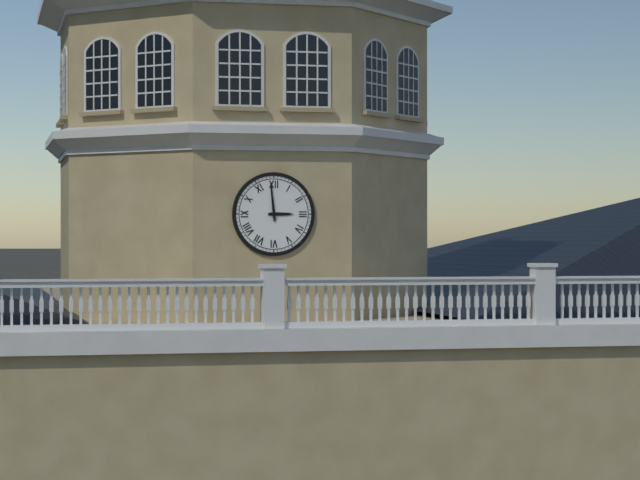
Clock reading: 2.59
